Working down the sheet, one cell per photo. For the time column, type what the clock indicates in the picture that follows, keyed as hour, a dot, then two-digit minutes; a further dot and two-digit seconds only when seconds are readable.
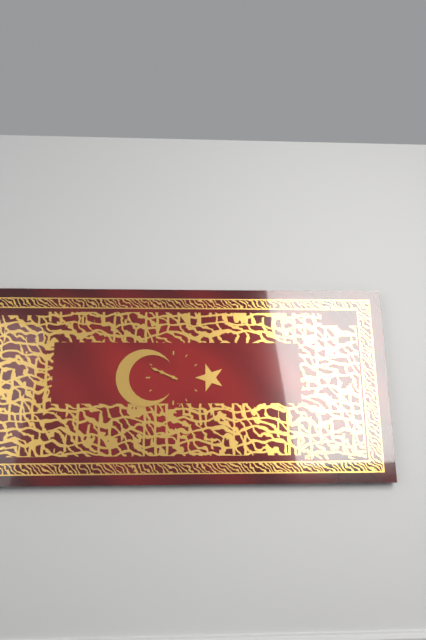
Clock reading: 9.49
